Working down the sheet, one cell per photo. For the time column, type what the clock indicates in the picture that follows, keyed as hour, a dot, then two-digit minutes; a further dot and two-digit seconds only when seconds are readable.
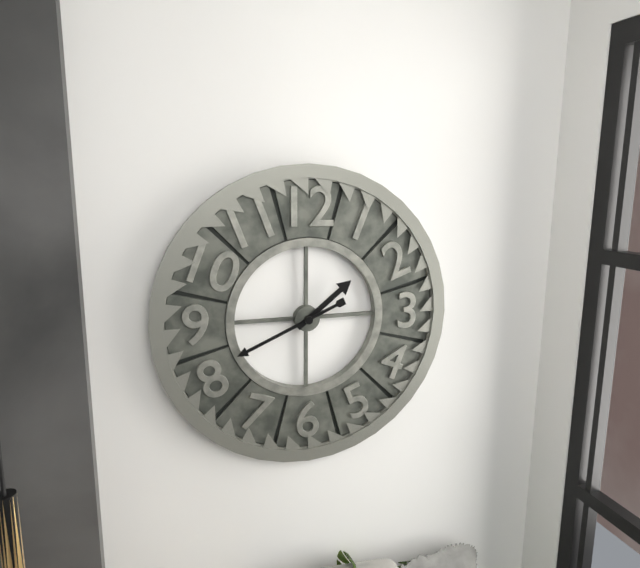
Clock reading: 1.41
